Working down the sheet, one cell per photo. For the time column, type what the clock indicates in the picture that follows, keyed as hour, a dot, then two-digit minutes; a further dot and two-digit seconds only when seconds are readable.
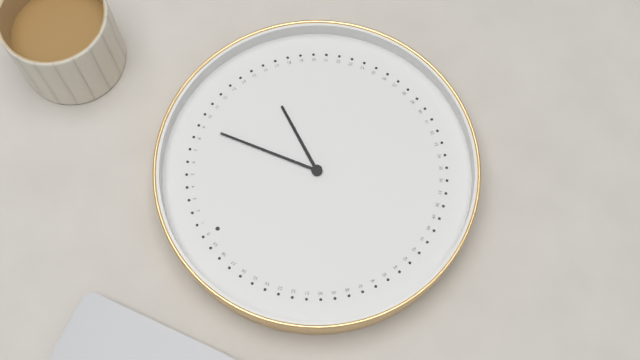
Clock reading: 3.09
